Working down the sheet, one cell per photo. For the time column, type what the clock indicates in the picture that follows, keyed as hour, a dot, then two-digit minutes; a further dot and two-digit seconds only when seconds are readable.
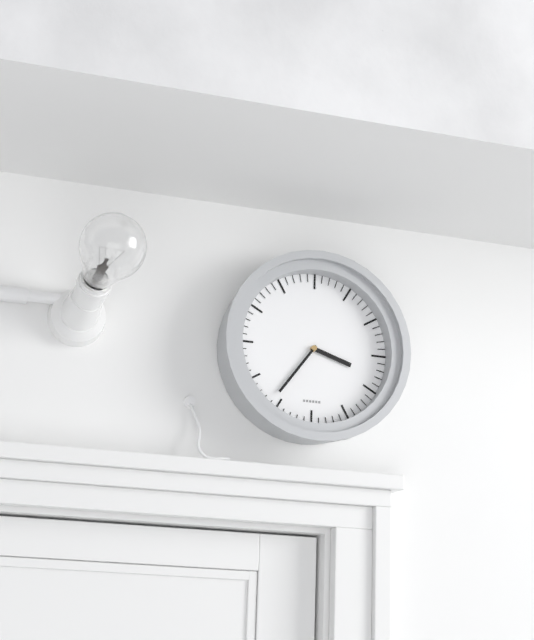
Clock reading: 3.36
